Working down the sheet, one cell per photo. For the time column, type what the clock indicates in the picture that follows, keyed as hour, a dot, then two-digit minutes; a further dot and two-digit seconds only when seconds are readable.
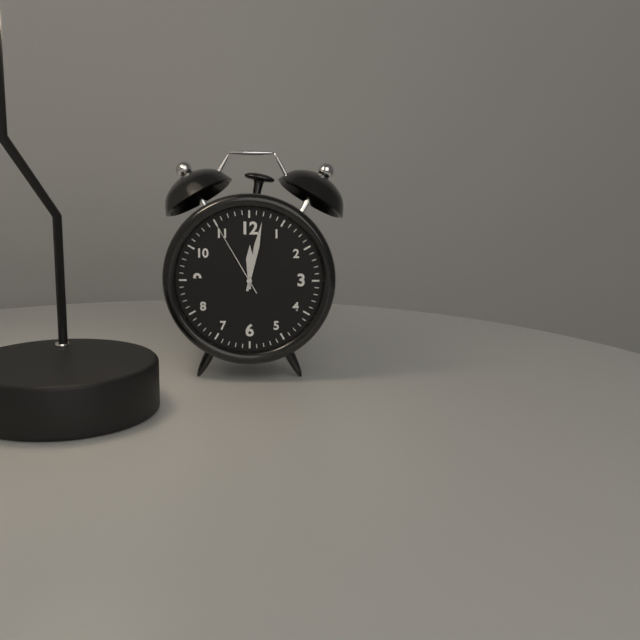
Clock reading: 12.02.55
